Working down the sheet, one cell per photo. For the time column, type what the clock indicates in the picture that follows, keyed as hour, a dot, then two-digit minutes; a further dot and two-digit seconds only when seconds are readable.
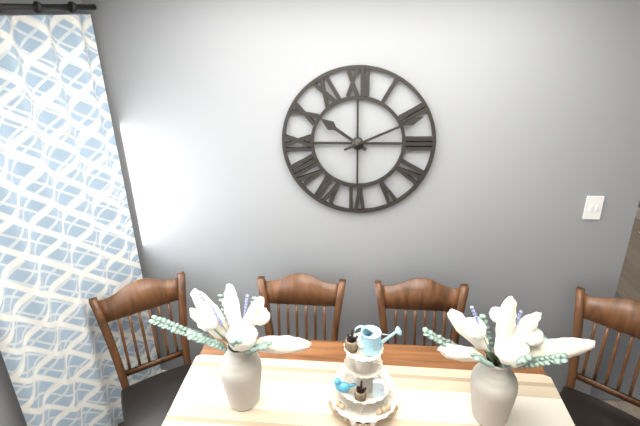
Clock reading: 10.11
